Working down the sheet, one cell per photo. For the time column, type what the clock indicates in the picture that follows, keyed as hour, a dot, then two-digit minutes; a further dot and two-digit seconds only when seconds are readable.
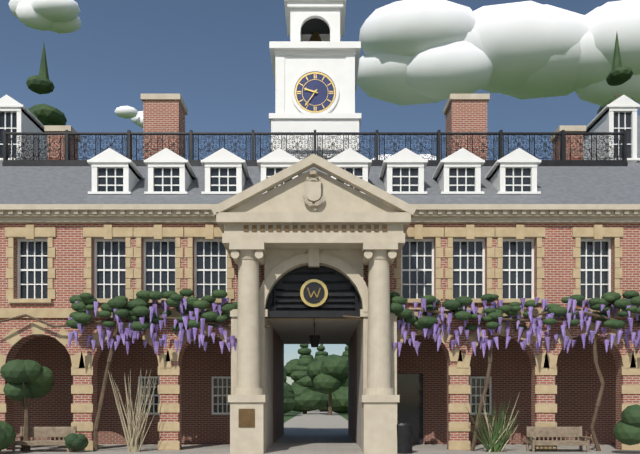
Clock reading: 9.36
